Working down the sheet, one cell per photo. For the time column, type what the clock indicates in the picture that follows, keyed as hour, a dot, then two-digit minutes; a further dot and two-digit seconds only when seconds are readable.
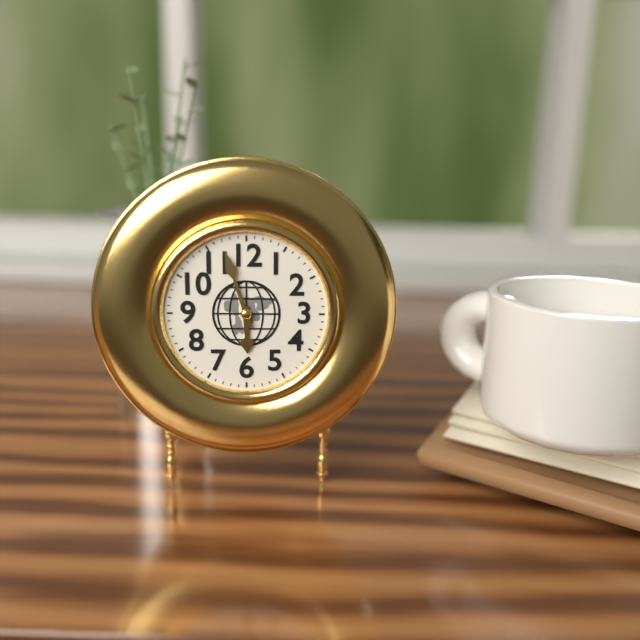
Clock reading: 5.57
